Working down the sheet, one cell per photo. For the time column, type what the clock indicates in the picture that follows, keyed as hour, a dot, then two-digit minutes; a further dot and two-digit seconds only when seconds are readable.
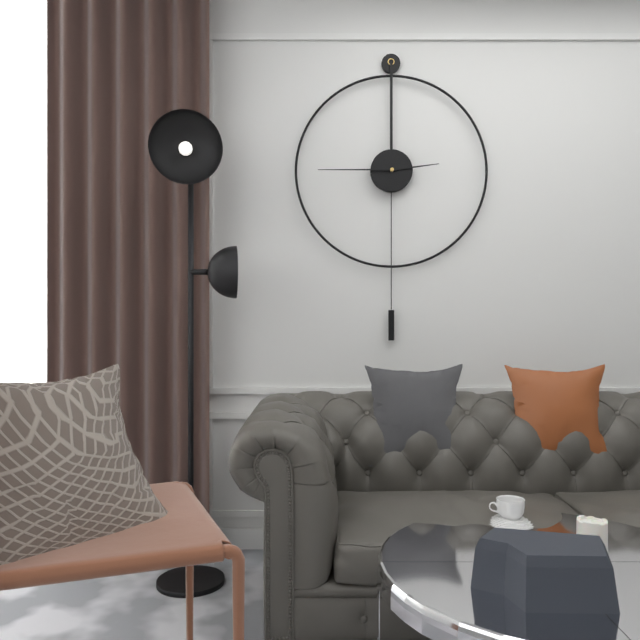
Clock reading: 2.45
